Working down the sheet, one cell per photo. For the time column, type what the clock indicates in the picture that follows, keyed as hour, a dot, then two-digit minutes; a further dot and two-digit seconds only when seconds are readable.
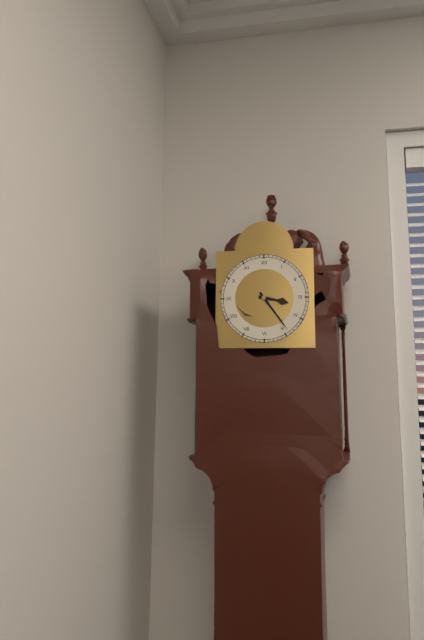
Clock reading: 3.24
